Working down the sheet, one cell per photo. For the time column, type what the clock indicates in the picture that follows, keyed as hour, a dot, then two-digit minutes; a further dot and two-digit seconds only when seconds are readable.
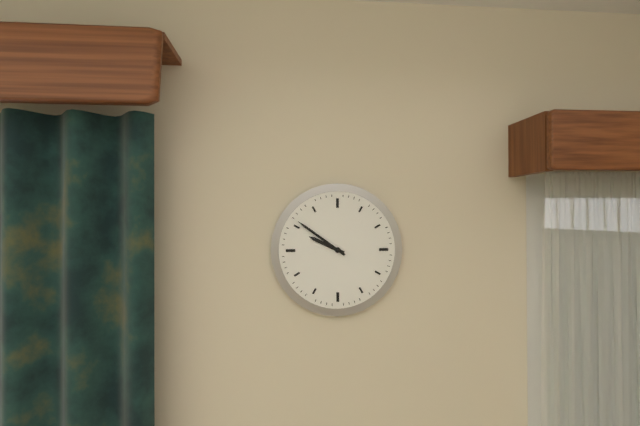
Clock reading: 9.51
